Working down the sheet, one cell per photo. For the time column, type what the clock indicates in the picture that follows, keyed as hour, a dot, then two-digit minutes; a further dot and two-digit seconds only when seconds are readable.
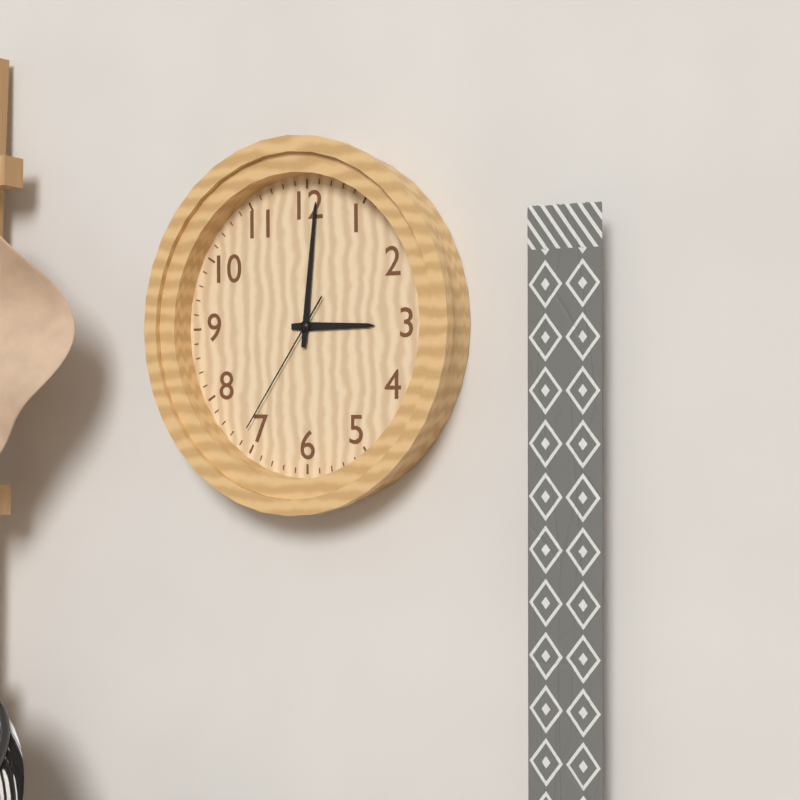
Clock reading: 3.01.36
